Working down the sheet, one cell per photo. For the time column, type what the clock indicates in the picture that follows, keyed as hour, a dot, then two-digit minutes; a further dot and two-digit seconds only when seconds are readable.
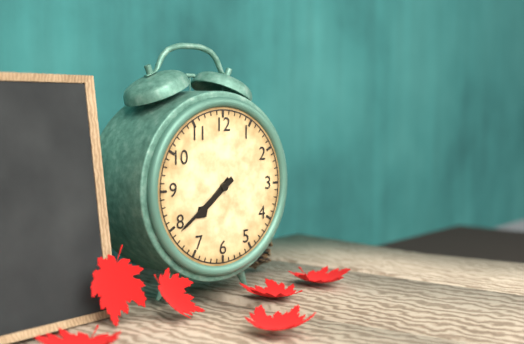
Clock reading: 7.39
